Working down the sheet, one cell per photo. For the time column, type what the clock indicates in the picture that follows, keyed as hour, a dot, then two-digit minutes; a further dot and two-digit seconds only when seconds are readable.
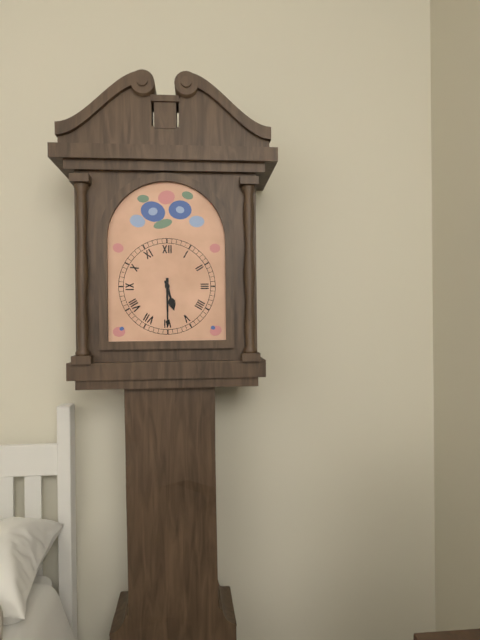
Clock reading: 5.30
